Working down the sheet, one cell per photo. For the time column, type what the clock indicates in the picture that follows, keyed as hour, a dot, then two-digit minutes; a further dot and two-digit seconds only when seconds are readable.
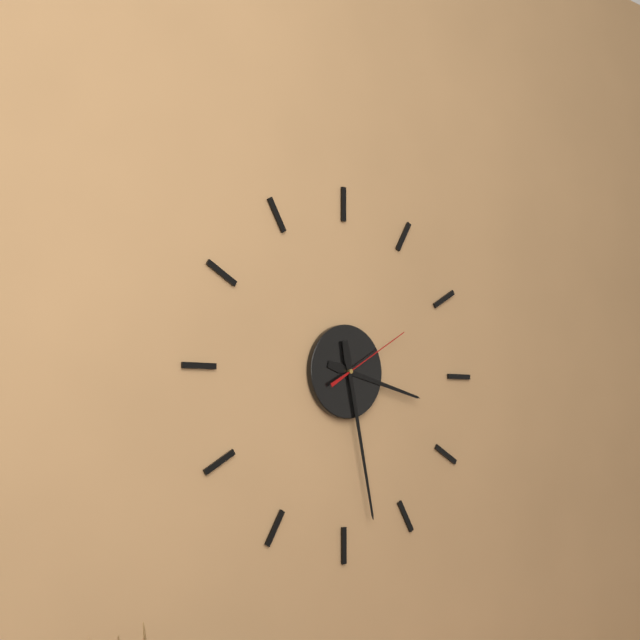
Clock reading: 3.28.10
